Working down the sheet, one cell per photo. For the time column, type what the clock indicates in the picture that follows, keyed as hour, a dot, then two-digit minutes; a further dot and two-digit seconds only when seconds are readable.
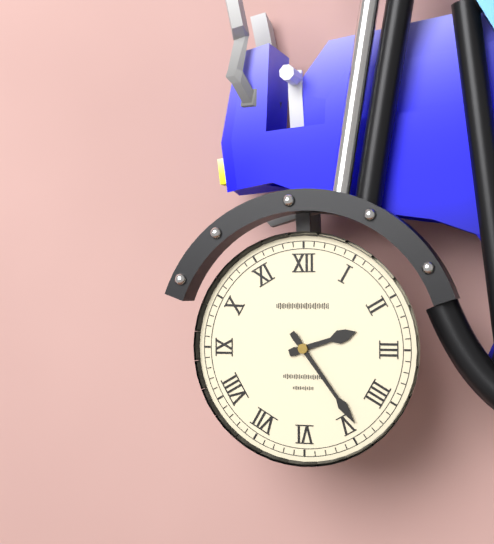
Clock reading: 2.24
